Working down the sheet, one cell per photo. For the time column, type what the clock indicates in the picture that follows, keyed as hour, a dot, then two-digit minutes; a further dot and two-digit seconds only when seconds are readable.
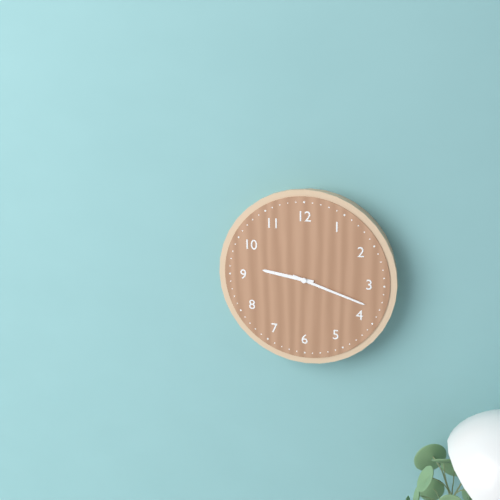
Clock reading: 9.18
